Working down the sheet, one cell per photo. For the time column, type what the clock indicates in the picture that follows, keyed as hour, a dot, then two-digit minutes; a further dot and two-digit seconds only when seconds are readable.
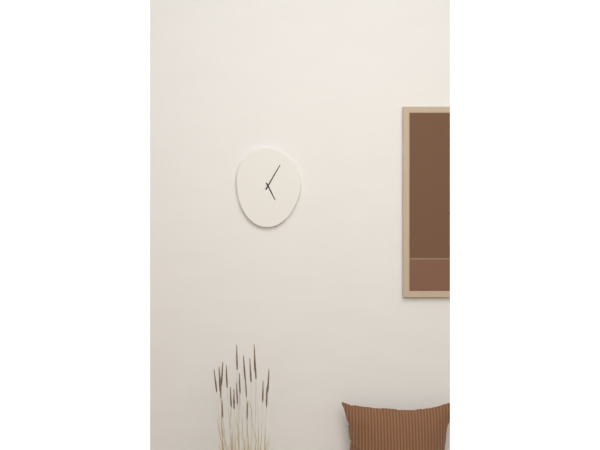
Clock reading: 5.05
